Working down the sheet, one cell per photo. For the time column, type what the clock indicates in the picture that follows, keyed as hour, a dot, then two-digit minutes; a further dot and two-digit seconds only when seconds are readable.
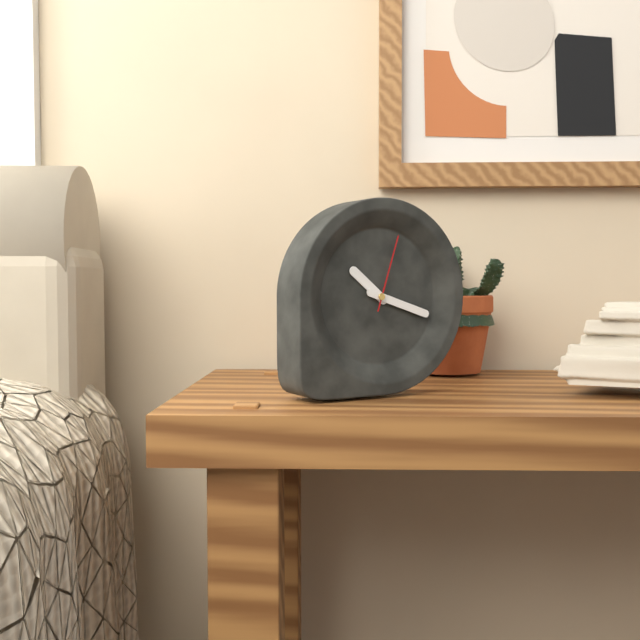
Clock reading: 10.18.03
